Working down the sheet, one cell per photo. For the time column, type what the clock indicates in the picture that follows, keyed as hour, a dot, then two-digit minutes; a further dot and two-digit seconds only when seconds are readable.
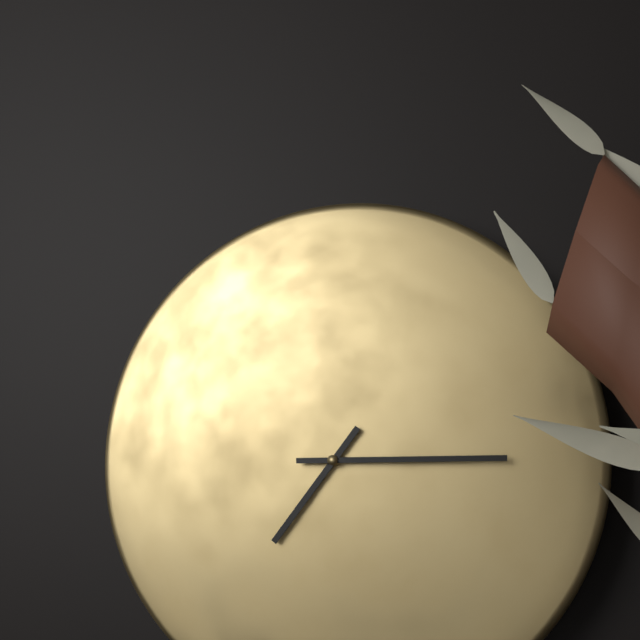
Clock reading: 7.15
